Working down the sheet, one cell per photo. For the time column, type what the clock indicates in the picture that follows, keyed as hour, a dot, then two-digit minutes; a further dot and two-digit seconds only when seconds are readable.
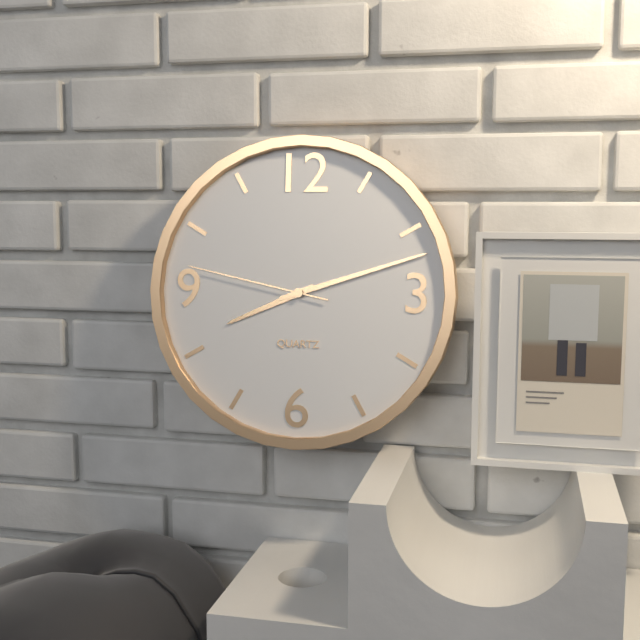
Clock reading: 8.12.47
